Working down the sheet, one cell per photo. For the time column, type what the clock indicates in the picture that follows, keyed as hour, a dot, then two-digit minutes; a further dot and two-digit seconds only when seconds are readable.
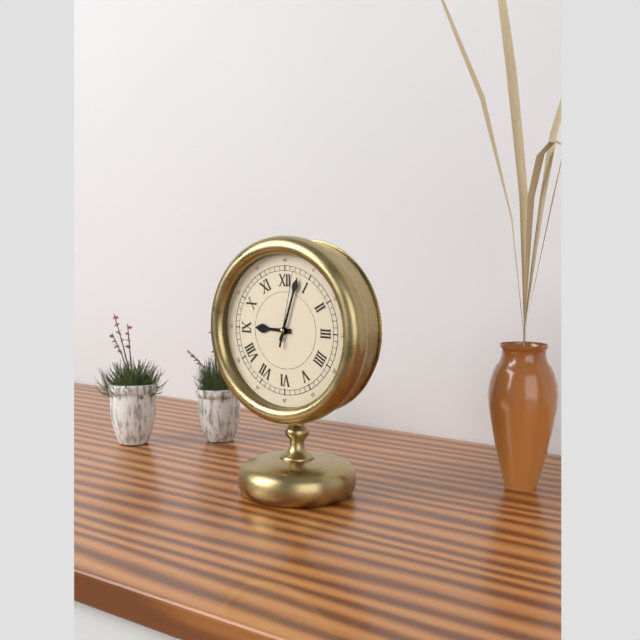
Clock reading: 9.03.02
